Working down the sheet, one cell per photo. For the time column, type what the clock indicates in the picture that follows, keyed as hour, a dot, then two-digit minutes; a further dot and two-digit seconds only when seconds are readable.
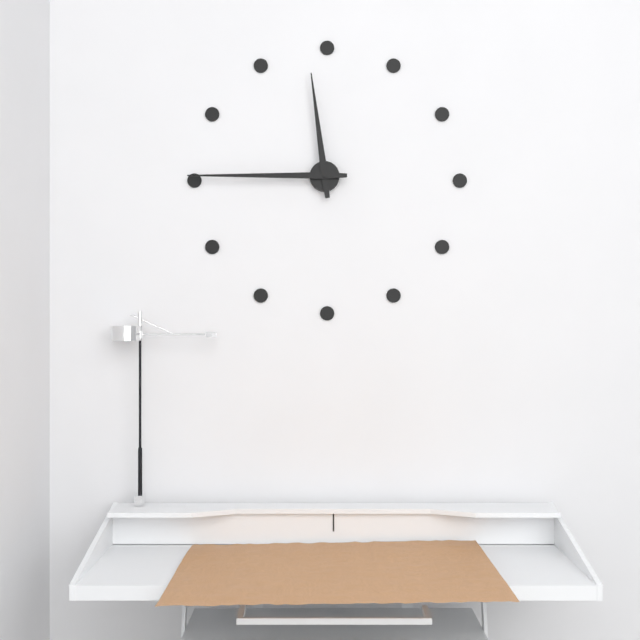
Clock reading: 11.45
